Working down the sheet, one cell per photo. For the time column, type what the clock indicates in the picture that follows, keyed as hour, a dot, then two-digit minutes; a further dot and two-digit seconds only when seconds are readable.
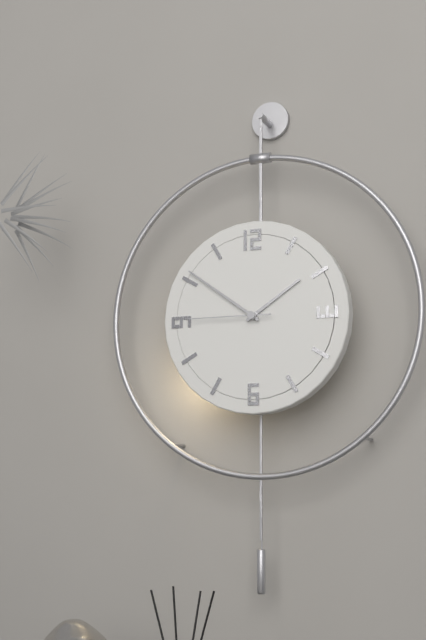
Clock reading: 1.51.45
